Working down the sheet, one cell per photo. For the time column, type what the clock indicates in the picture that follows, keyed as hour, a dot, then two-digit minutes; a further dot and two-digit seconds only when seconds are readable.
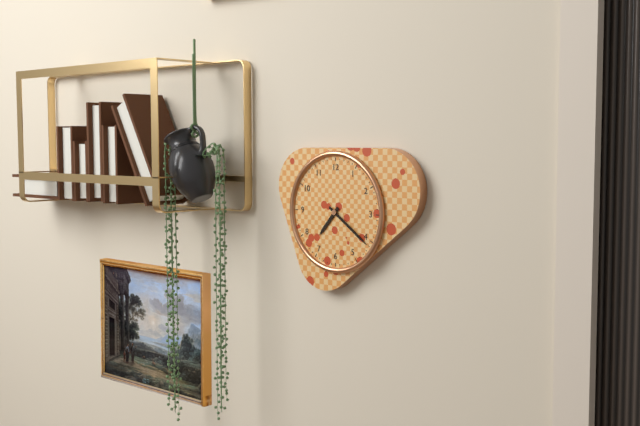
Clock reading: 7.21
